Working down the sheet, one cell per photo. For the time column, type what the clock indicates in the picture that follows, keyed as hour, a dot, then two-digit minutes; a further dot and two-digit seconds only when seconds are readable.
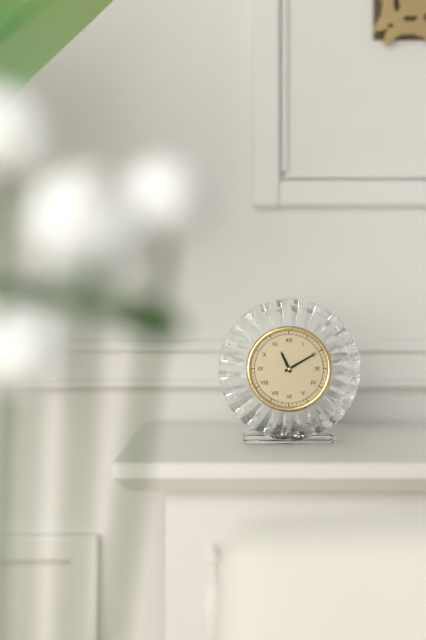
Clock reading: 11.10
